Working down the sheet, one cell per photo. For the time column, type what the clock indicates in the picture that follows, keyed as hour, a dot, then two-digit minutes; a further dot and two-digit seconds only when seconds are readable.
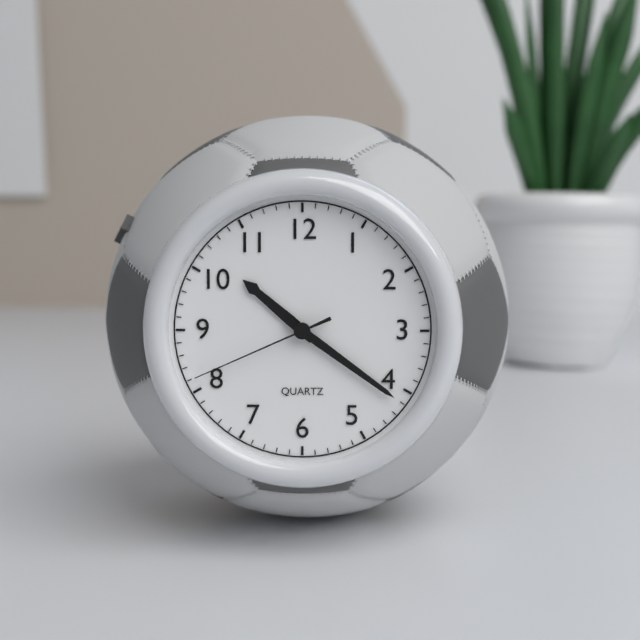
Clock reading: 10.21.41
